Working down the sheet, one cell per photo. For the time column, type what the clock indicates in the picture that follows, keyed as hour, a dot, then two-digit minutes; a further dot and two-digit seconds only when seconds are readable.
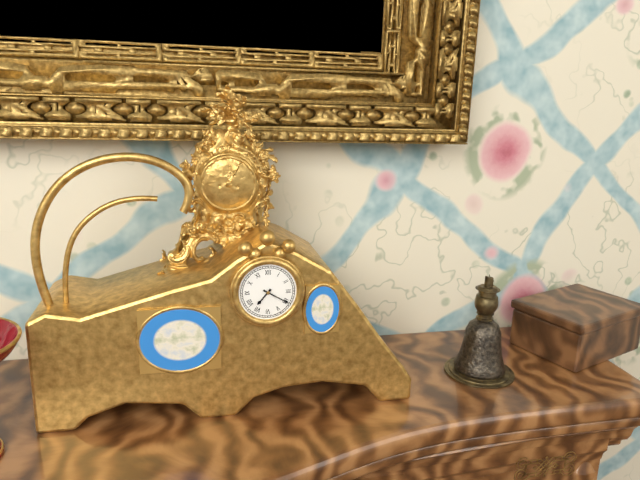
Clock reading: 7.20
